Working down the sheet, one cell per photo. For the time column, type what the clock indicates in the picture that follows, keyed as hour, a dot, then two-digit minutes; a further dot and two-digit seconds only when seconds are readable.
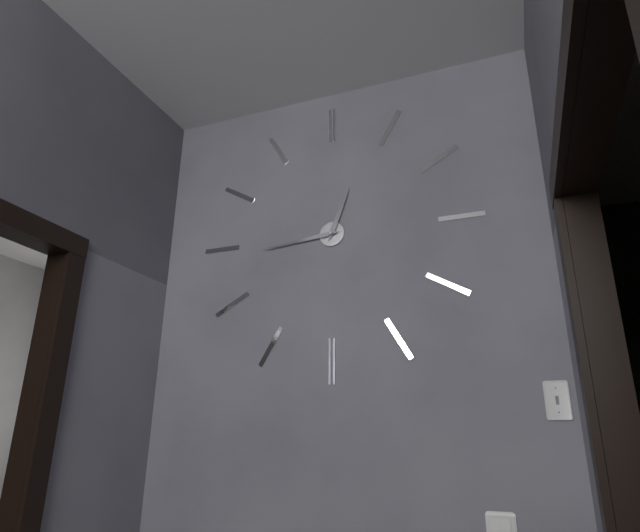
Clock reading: 12.44
